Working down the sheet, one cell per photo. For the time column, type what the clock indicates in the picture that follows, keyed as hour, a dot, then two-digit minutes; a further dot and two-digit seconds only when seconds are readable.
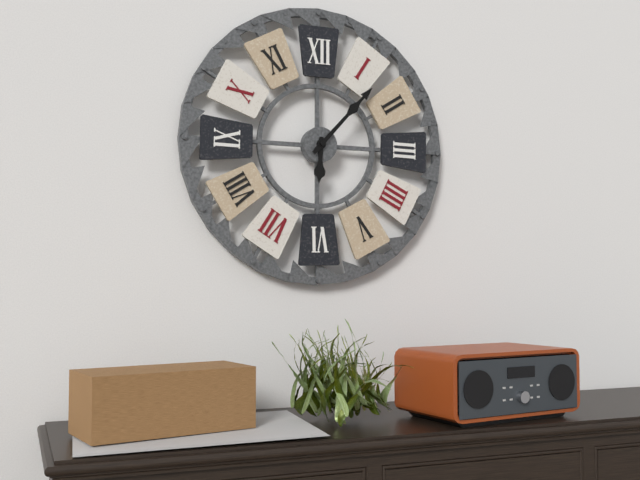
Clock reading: 6.07
